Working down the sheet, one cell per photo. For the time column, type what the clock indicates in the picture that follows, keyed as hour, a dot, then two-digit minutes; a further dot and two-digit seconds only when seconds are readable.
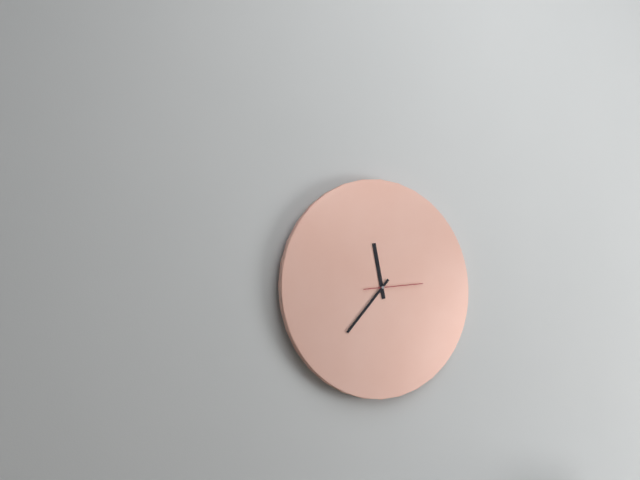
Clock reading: 11.37.14
